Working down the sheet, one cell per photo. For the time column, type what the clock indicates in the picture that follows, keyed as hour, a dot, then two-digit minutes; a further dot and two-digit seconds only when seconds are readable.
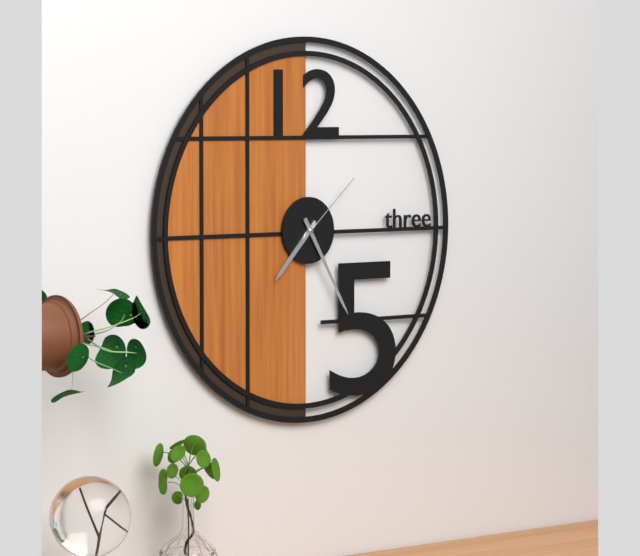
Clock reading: 7.25.08
